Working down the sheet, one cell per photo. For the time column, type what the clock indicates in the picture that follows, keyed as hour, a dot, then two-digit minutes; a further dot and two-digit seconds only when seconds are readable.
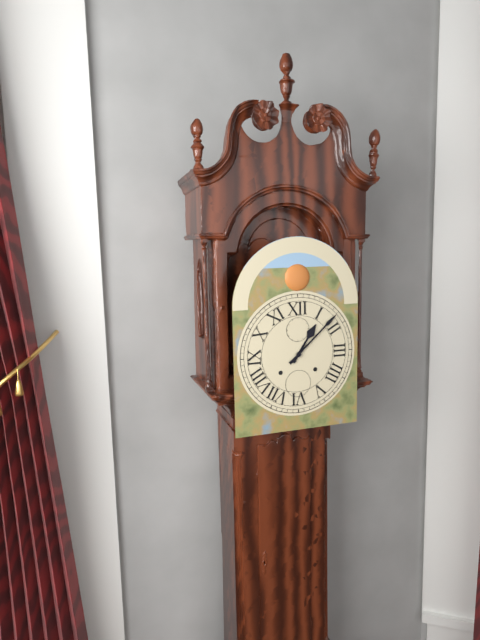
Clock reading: 1.08
